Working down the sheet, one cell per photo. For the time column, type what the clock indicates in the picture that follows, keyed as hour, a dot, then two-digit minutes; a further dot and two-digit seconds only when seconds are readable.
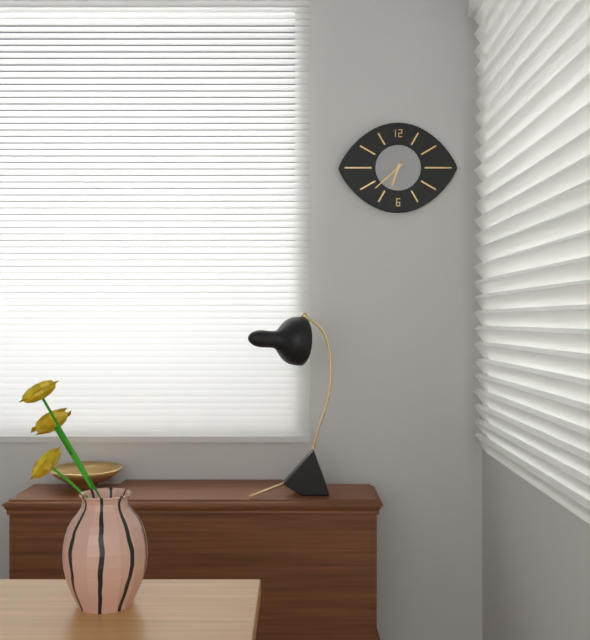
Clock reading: 6.38
